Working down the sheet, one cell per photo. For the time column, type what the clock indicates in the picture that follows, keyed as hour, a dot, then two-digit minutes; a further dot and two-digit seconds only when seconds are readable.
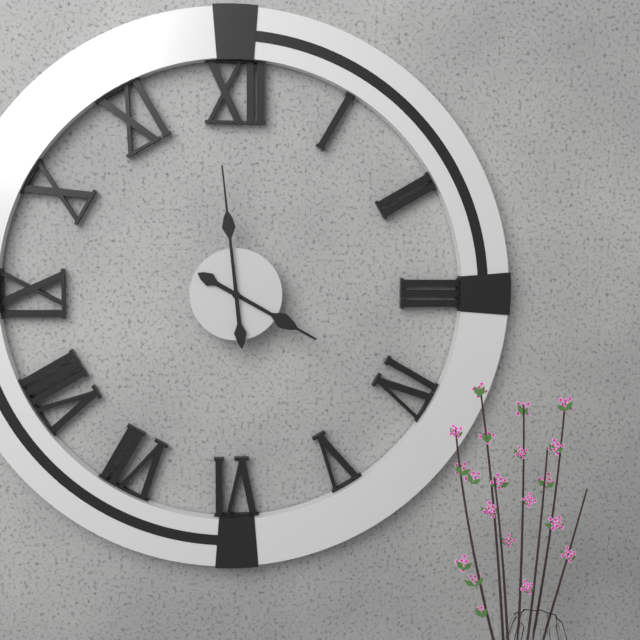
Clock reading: 3.59
